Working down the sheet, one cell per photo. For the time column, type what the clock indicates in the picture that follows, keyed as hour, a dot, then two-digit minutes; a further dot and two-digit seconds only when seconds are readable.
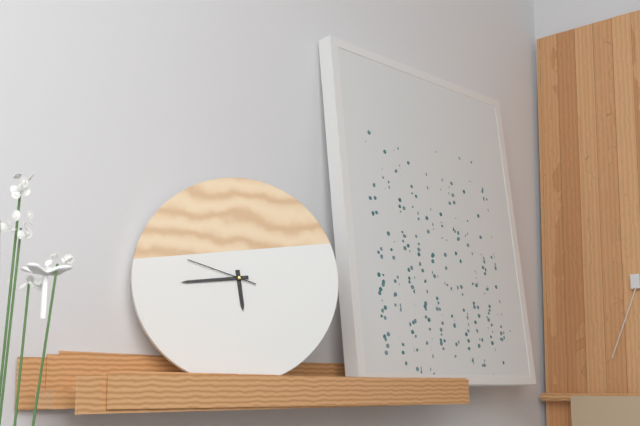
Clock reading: 5.44.48
